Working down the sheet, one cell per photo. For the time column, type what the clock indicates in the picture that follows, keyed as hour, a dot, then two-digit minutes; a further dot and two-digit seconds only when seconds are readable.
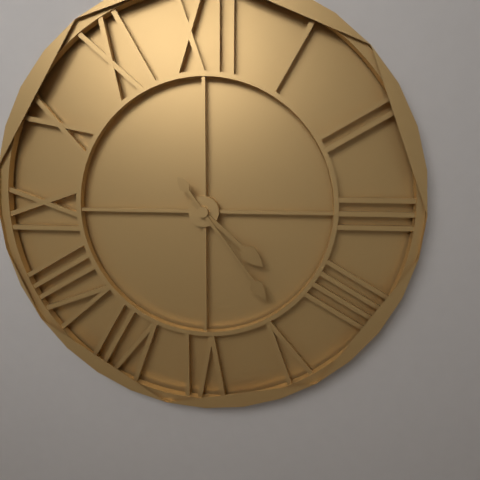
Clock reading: 4.24
